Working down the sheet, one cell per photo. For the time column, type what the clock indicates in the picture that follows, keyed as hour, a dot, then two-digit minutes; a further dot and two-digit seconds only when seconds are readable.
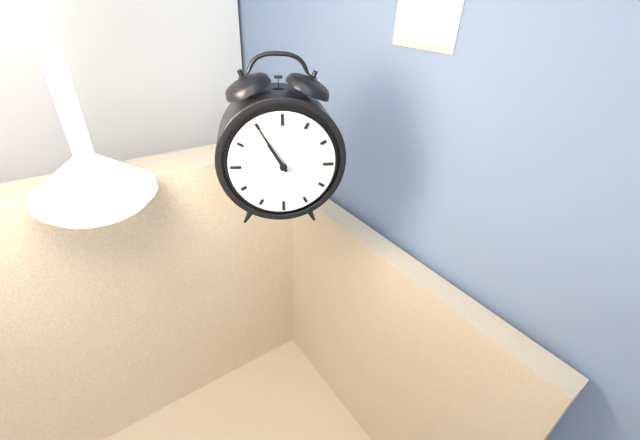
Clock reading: 10.55
